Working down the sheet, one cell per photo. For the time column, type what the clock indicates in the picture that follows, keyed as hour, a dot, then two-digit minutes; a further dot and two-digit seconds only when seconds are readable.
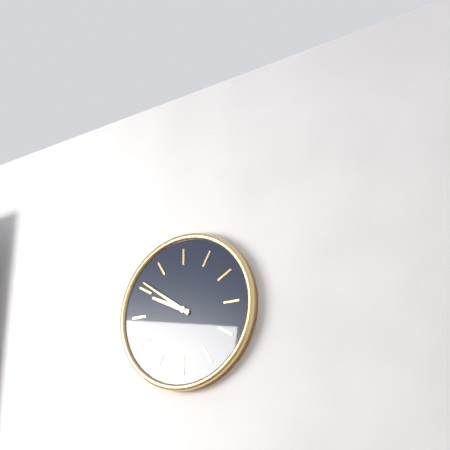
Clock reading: 9.51
